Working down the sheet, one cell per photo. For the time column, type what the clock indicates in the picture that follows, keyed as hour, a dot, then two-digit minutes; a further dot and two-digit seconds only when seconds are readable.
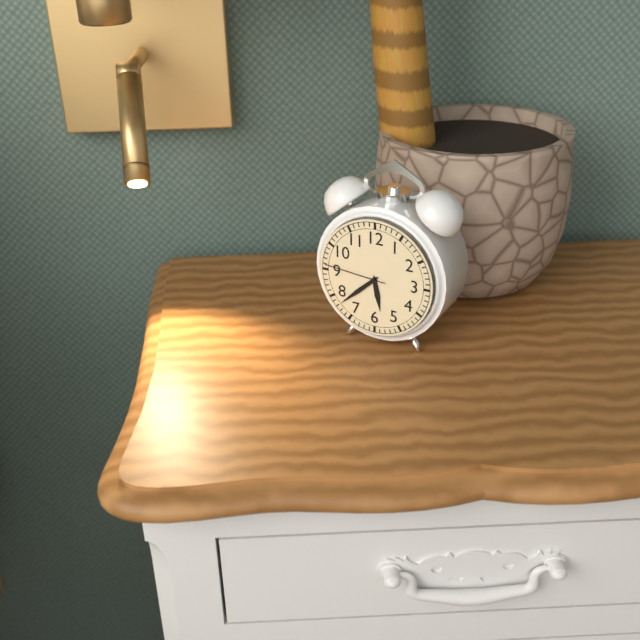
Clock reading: 5.38.46
